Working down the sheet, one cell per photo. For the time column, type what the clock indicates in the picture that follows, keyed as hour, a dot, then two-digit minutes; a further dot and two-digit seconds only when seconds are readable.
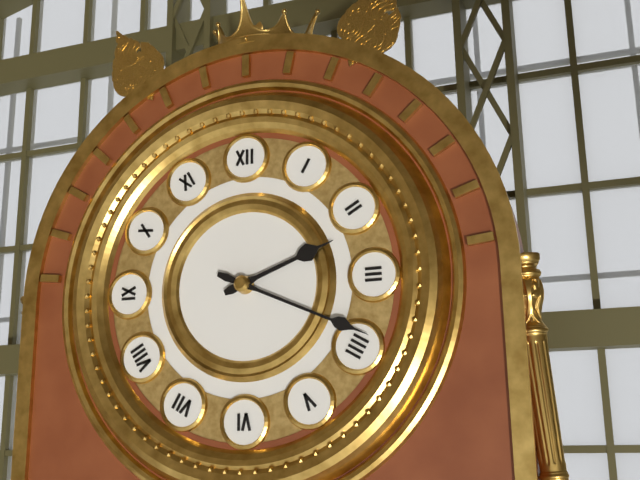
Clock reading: 2.19
